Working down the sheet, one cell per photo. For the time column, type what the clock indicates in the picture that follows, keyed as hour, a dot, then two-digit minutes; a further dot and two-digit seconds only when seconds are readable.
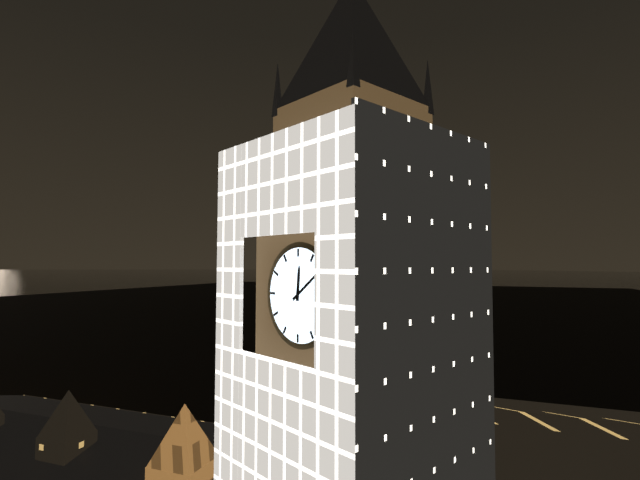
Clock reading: 12.09
